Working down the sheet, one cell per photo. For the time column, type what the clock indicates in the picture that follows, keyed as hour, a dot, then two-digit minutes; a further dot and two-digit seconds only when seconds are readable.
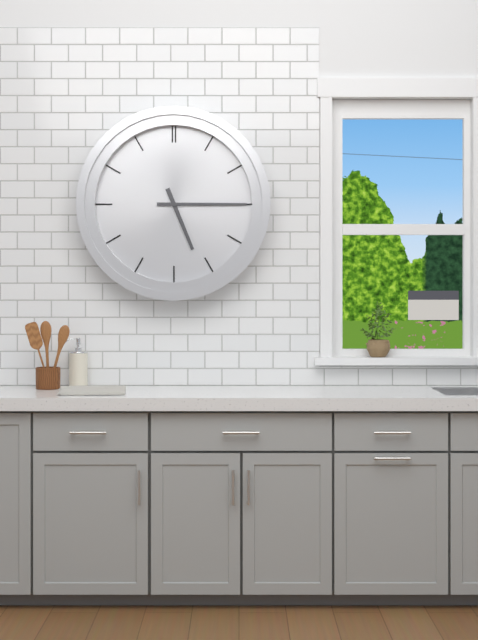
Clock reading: 5.15
